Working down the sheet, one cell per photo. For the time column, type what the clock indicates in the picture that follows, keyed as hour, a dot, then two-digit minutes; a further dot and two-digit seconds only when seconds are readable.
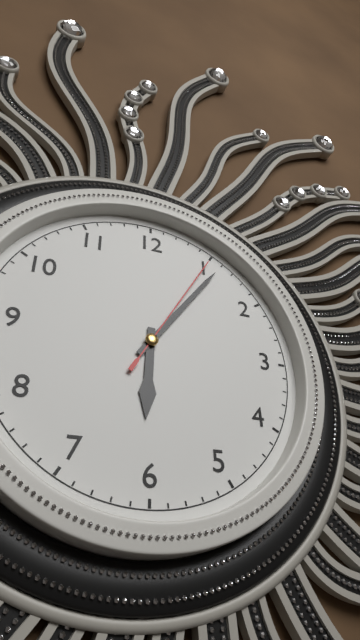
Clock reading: 6.06.05
